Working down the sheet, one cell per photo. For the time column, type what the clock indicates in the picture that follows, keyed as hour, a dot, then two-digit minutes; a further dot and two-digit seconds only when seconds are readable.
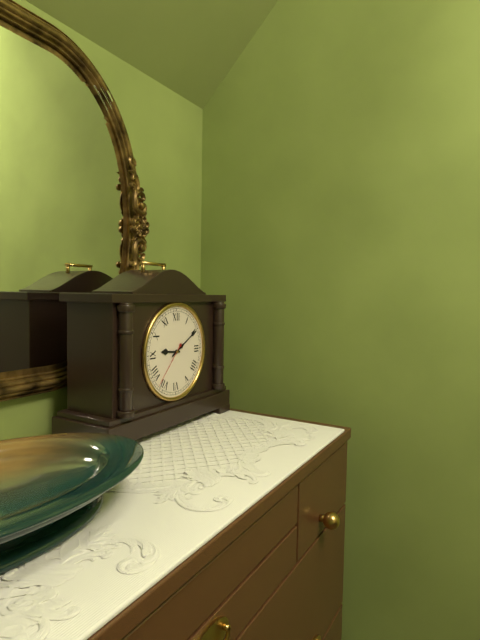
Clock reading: 9.10
